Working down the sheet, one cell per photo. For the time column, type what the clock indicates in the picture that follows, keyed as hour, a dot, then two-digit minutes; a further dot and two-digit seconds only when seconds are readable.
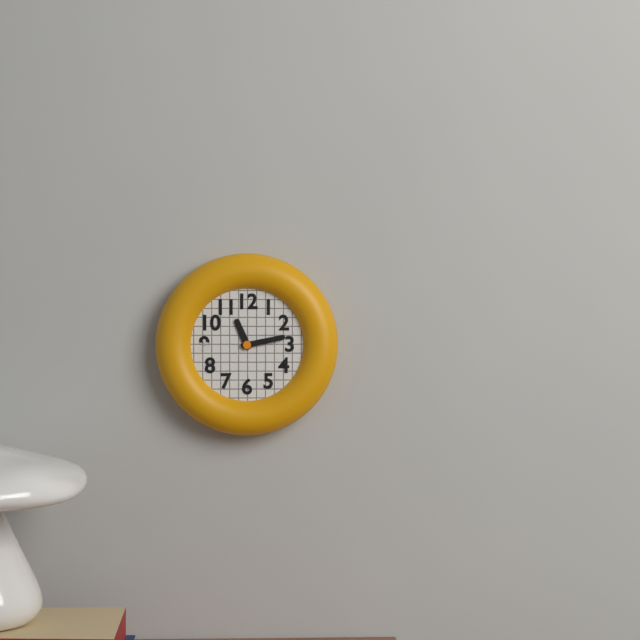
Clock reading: 11.13
